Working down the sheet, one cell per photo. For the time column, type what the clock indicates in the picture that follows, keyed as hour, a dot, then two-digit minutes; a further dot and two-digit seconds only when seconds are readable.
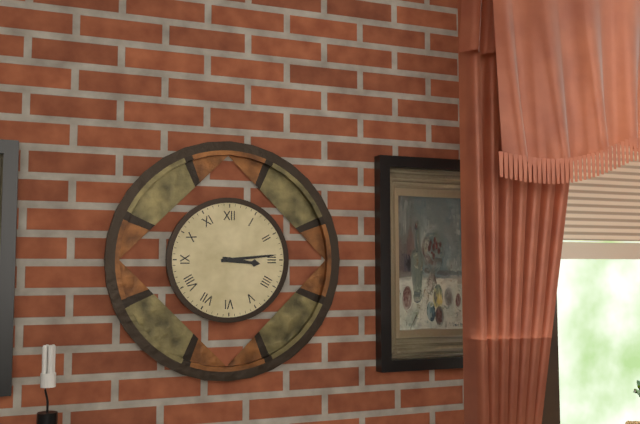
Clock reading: 3.14
